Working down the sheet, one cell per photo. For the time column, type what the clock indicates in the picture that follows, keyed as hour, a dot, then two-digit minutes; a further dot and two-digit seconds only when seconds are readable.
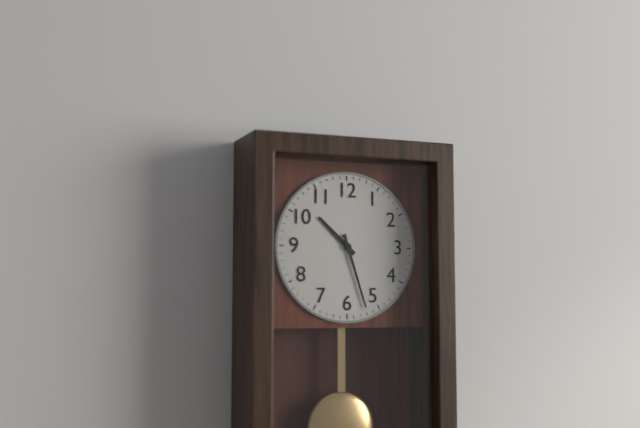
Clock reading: 10.27
